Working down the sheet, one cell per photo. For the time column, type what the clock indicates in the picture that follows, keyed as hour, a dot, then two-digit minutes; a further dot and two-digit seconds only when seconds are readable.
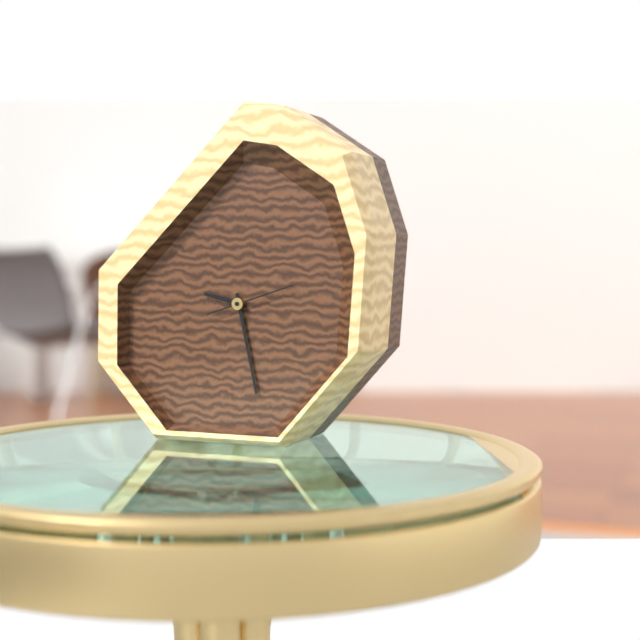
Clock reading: 9.28.12
